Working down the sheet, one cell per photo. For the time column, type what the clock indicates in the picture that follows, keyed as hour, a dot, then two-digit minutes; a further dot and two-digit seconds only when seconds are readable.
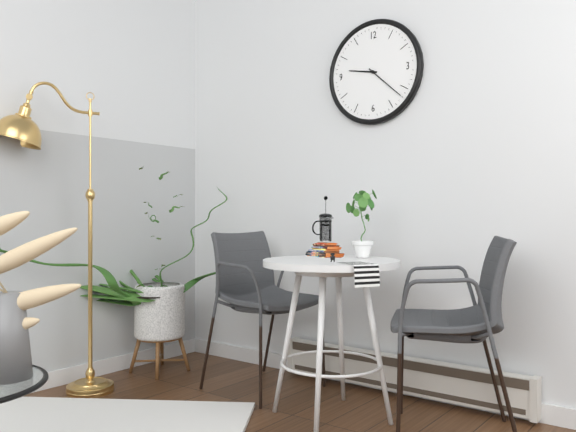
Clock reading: 9.22
